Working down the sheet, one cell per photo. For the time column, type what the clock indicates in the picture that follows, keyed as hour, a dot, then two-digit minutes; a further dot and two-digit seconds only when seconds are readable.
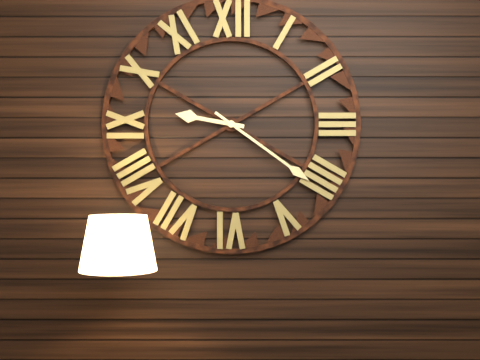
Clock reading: 9.21
